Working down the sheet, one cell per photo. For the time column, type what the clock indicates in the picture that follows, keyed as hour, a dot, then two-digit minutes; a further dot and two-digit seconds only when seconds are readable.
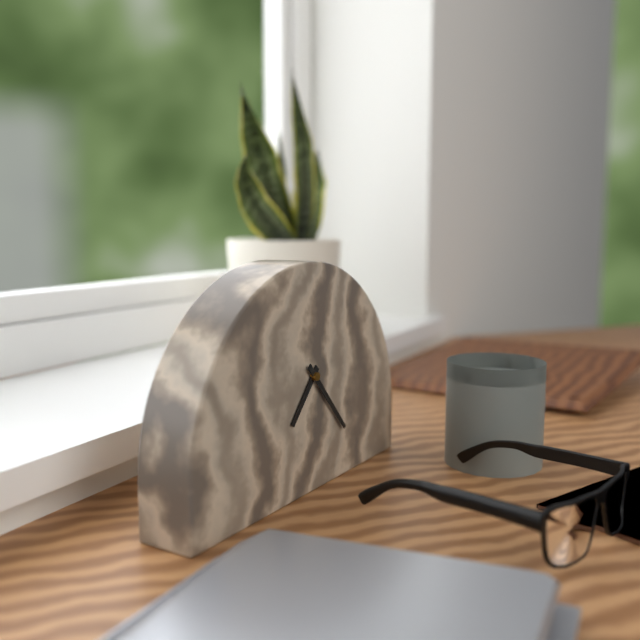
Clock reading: 7.23
